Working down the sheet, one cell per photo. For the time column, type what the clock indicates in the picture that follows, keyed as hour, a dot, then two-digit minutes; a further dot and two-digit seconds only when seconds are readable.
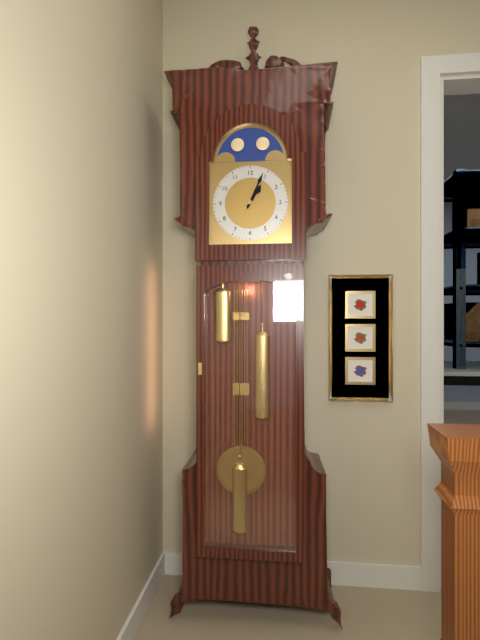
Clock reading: 1.04
